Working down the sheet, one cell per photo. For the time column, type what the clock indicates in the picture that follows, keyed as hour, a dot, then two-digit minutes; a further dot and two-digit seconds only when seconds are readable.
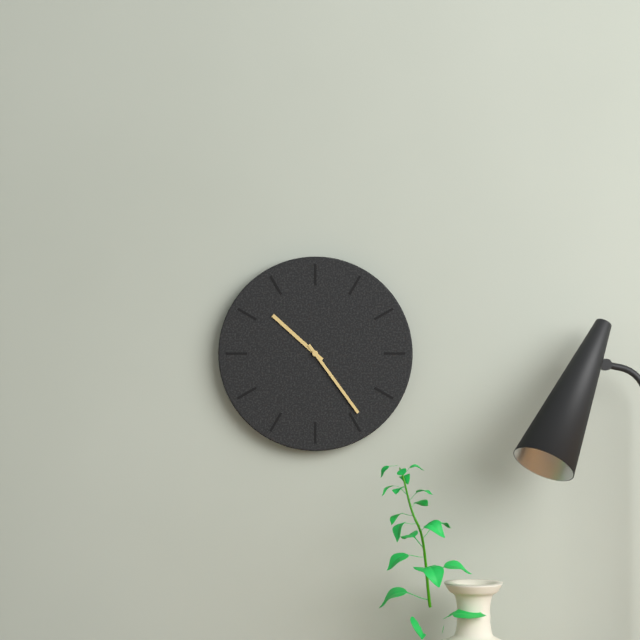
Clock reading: 10.24
